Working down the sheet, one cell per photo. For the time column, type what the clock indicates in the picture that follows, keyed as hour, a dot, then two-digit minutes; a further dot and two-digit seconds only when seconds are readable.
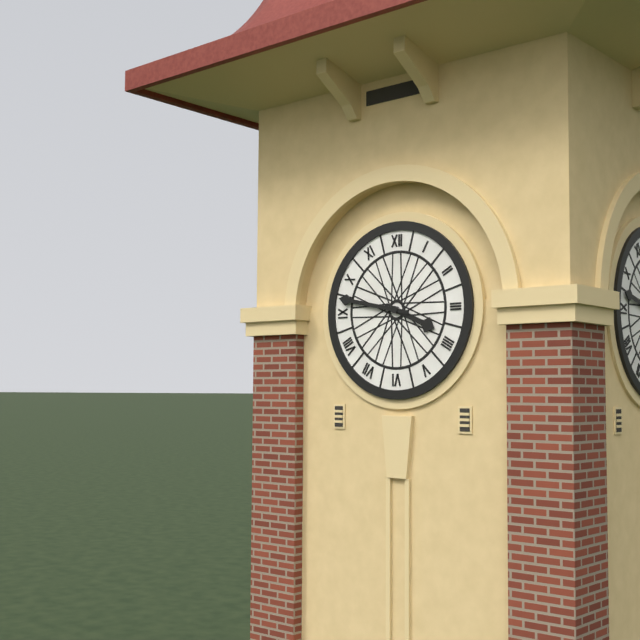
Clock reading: 3.47
